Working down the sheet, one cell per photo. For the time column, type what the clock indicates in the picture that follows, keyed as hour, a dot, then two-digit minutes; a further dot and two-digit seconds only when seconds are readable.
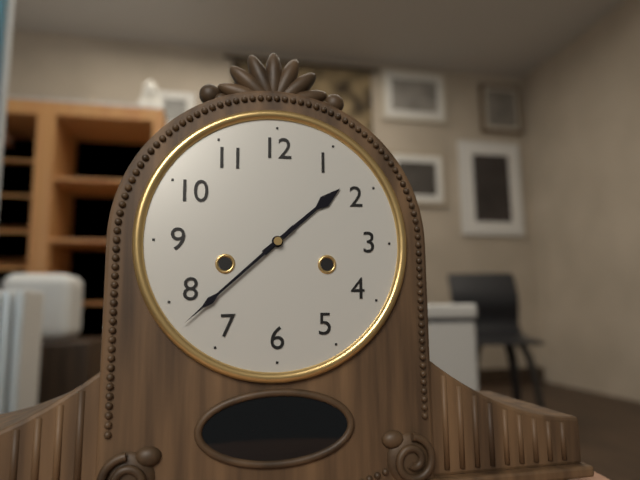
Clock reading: 1.38
